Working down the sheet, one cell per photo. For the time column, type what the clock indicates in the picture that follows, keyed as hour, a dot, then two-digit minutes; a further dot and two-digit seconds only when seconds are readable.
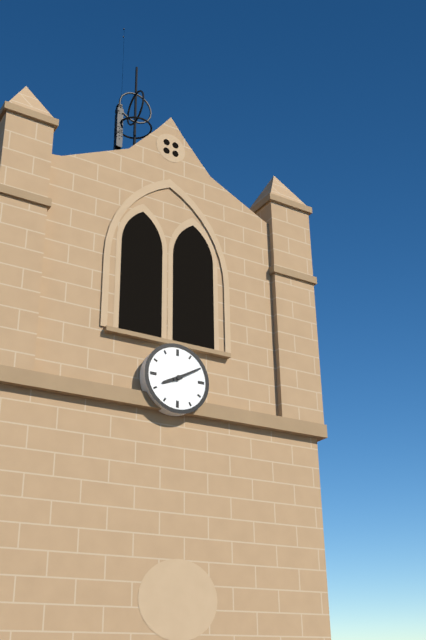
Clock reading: 8.10
